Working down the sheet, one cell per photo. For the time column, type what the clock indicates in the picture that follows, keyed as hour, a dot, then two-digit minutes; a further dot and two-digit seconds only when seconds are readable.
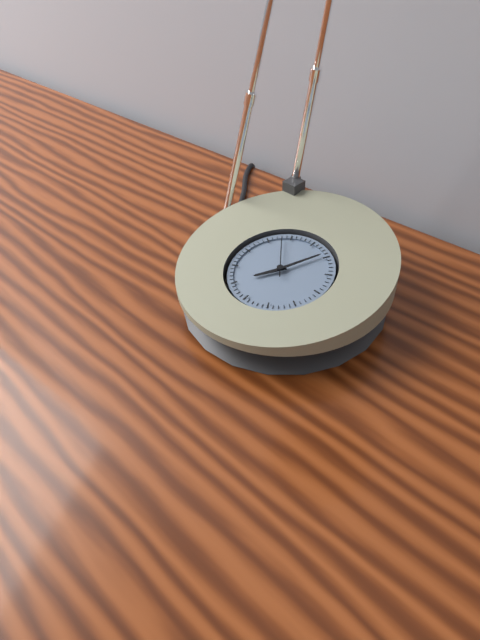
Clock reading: 7.04
